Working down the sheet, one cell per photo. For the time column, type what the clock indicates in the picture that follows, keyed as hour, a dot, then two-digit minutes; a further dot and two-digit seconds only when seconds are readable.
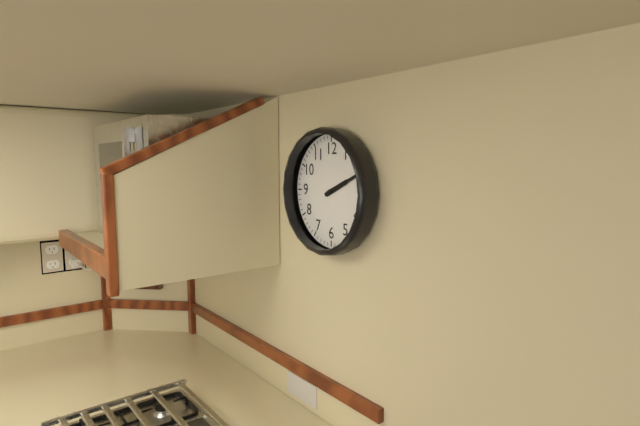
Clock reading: 2.11
